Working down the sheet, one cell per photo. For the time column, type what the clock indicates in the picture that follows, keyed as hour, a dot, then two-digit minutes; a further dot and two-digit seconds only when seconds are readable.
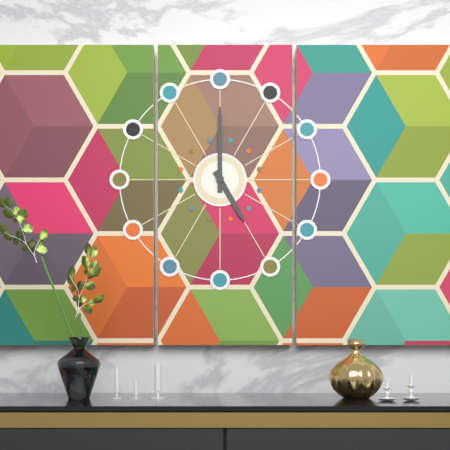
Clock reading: 5.00
